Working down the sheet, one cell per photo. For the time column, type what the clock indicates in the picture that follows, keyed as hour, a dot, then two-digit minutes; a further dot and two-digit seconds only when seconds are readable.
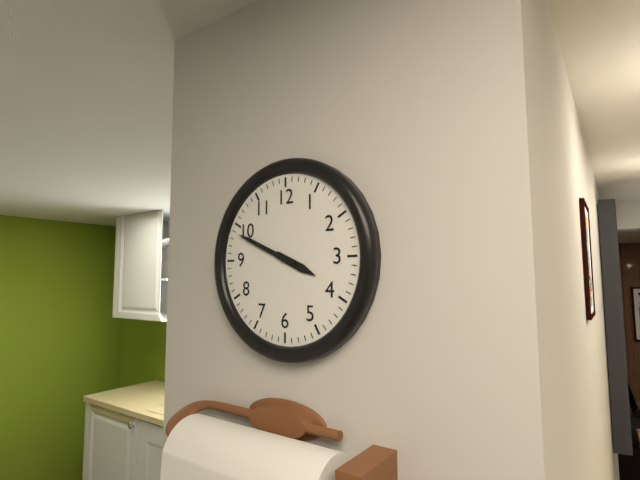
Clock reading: 3.49
